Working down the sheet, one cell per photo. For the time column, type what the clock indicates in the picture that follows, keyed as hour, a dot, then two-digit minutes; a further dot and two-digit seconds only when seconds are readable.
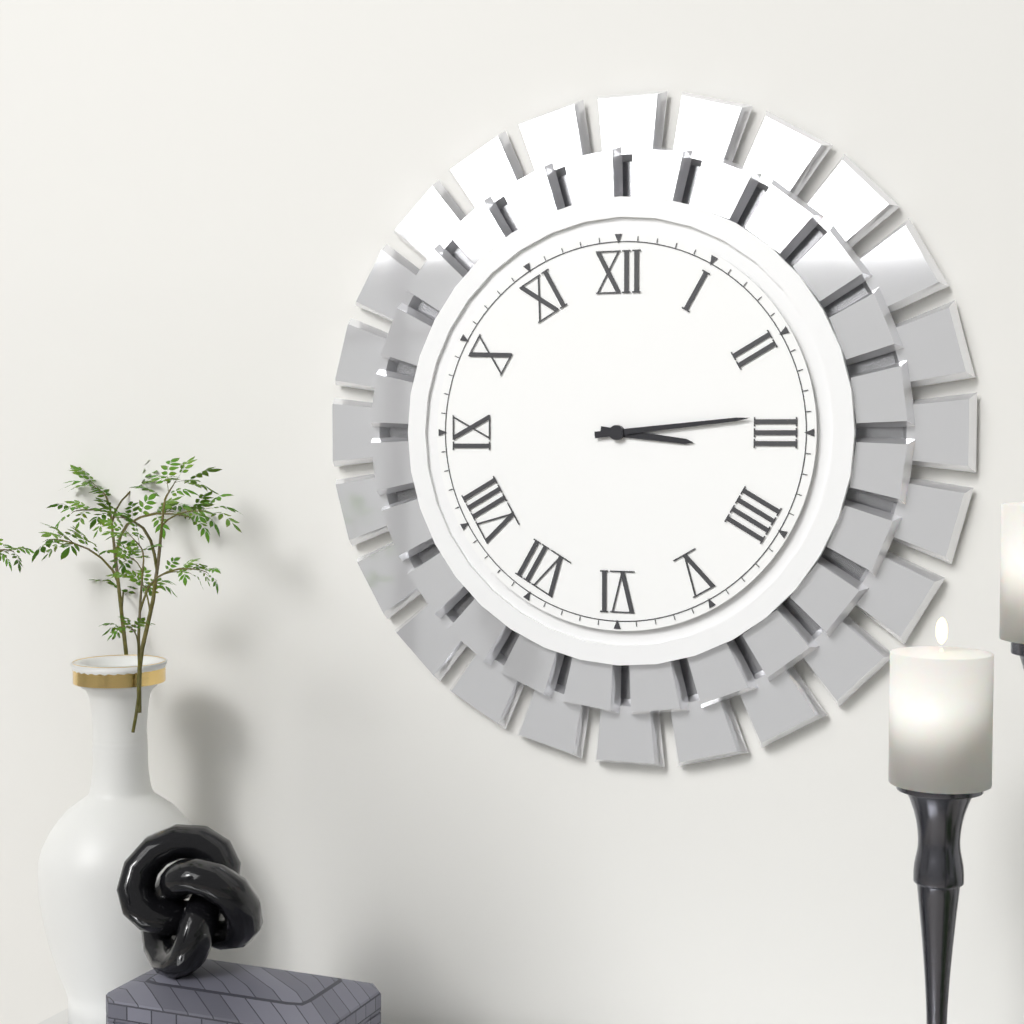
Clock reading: 3.14
